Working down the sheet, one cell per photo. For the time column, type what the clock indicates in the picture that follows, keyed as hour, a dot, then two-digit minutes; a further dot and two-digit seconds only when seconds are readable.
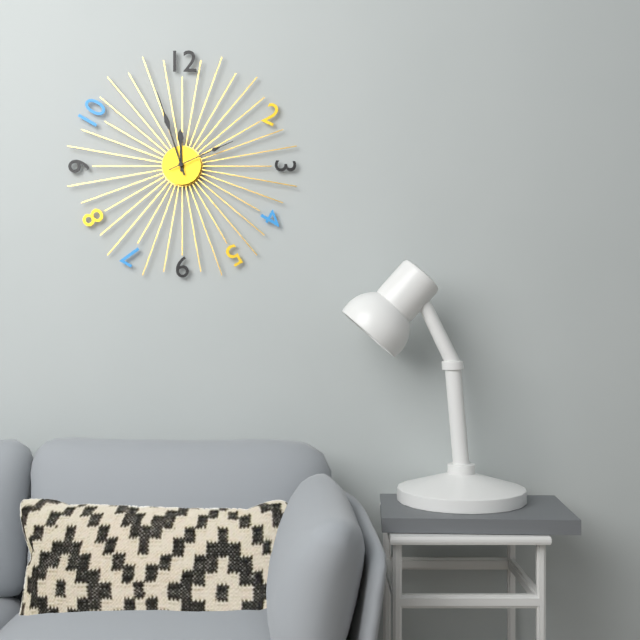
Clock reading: 11.57.11
